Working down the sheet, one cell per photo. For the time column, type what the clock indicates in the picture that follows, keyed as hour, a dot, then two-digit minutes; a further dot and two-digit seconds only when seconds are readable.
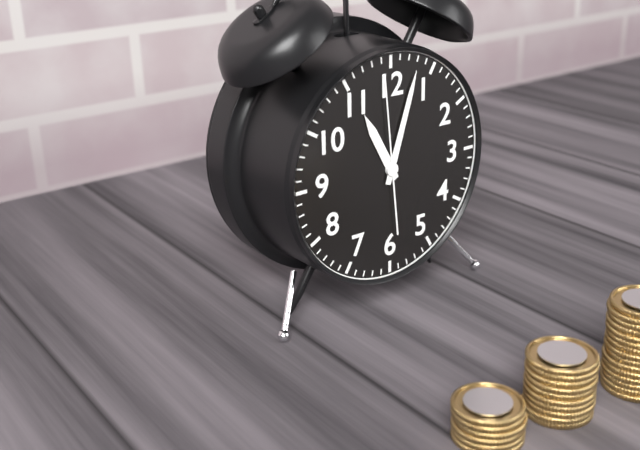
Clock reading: 11.03.59
